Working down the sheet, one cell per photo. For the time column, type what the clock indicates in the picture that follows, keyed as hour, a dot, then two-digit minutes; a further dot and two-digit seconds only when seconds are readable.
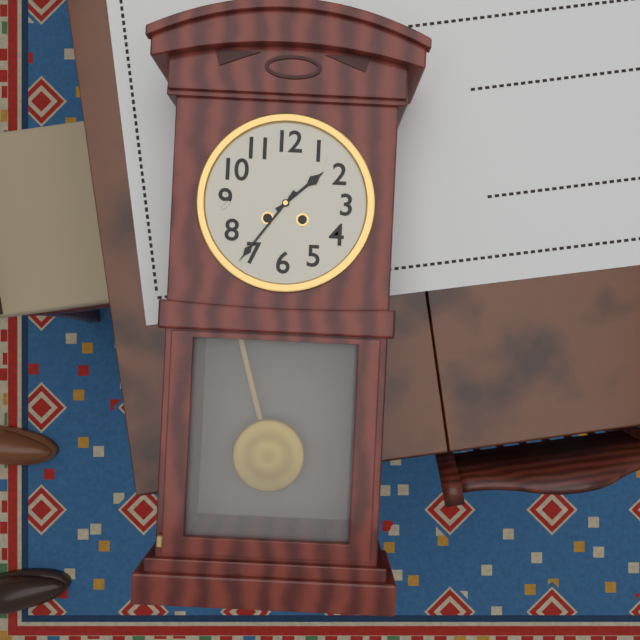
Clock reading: 1.36
